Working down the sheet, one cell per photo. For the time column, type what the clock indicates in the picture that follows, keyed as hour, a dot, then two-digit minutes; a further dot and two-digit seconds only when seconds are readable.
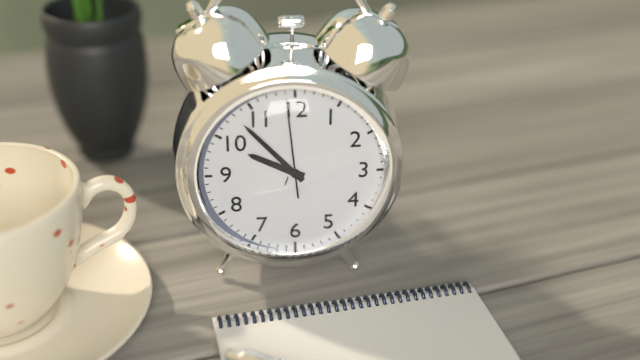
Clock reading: 9.53.59
